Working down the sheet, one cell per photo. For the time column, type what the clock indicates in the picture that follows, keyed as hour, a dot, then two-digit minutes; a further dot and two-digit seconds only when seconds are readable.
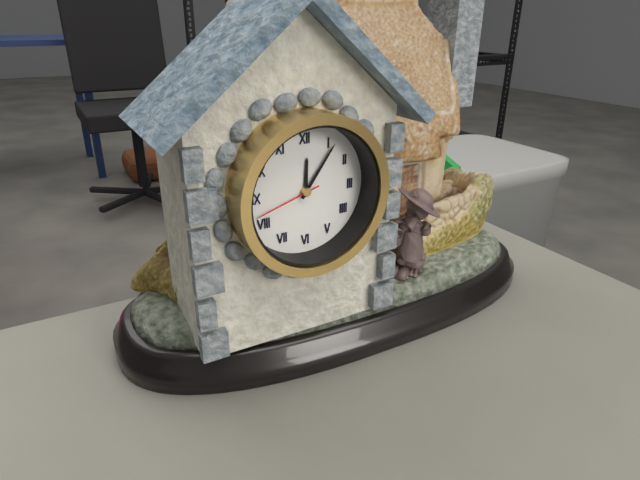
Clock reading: 12.06.42
